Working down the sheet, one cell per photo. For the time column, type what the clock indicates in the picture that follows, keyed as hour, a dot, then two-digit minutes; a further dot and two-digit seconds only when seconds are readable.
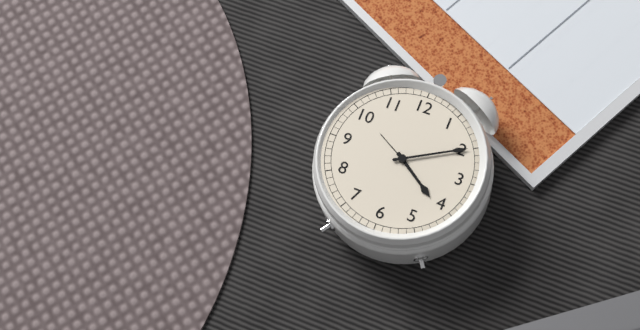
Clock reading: 4.10
